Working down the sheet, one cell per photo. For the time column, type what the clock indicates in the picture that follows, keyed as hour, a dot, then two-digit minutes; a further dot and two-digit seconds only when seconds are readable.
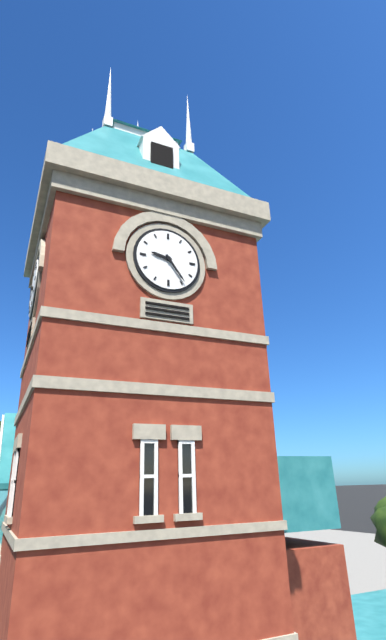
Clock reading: 9.24
